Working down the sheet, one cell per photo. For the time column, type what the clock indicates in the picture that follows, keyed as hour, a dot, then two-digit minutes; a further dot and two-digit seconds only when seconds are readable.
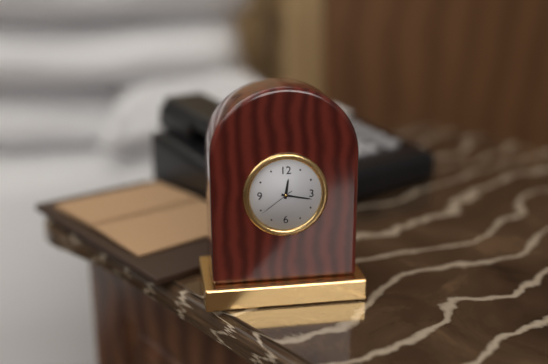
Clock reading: 12.17
